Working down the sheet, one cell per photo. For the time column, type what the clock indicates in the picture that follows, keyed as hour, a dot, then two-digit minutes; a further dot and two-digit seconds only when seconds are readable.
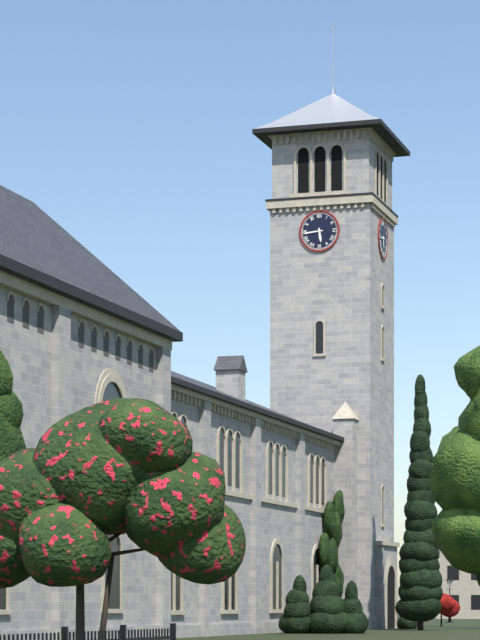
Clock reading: 5.44
